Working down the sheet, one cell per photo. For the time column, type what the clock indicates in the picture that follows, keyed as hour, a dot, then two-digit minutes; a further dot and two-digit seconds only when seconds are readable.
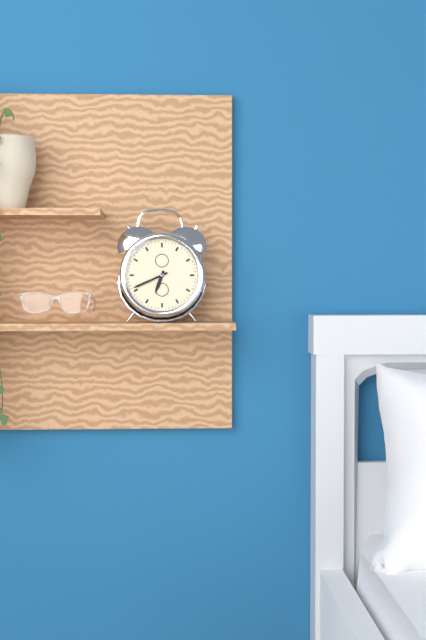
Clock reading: 6.41
